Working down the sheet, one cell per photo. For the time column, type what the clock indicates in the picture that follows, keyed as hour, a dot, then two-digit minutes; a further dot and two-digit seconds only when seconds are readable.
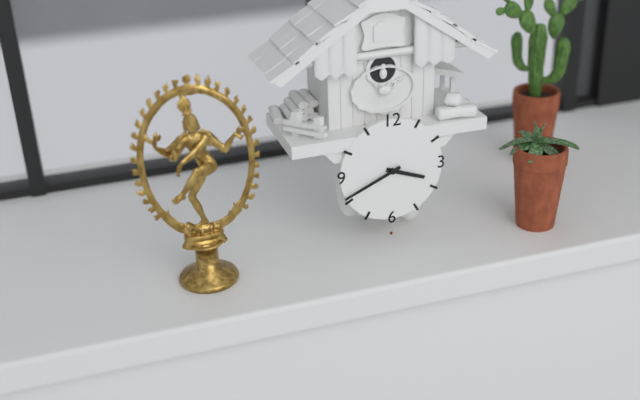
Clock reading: 3.41
